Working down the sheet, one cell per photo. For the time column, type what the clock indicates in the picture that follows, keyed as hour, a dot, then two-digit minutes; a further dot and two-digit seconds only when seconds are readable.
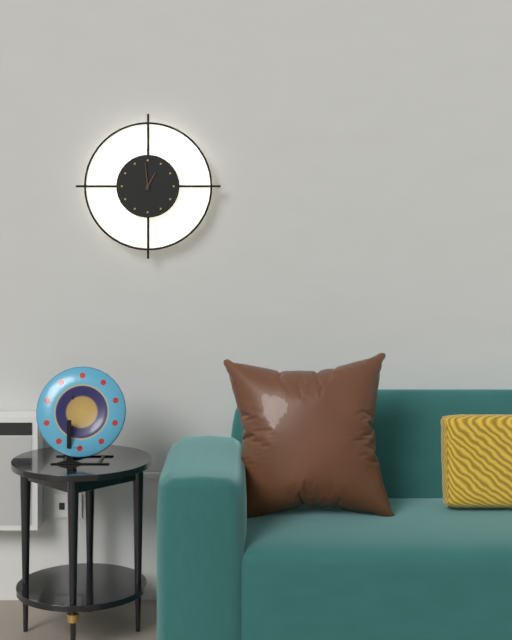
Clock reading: 12.59
